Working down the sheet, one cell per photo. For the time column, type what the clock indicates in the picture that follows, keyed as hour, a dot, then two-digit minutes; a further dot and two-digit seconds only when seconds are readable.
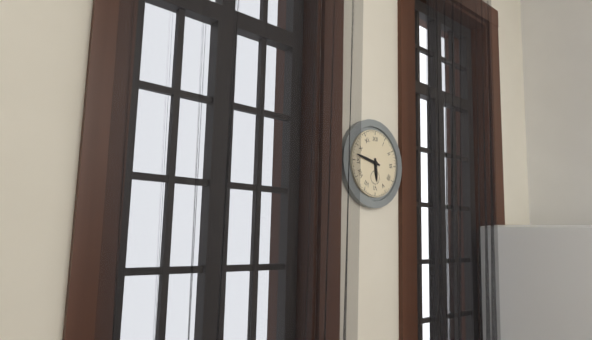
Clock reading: 5.47
